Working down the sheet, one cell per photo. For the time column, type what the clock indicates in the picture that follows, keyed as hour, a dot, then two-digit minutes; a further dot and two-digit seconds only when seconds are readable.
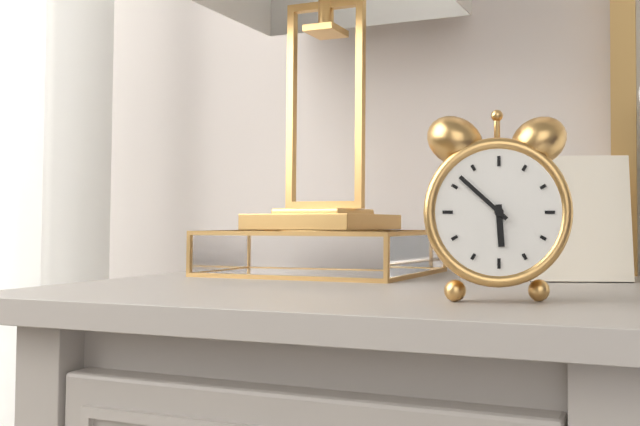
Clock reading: 5.52
